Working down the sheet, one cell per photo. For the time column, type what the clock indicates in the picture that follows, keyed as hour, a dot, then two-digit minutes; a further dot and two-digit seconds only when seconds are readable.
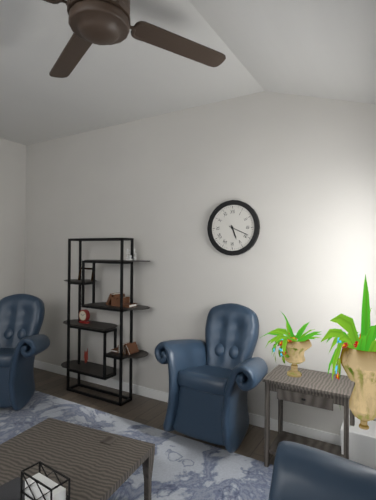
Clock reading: 5.19
